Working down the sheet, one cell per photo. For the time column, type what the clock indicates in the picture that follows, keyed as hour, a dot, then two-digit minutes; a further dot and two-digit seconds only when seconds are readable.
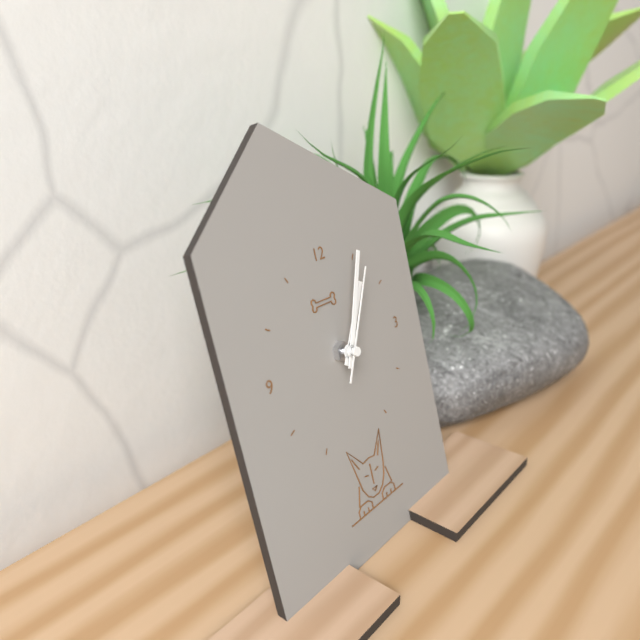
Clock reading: 1.04.05
